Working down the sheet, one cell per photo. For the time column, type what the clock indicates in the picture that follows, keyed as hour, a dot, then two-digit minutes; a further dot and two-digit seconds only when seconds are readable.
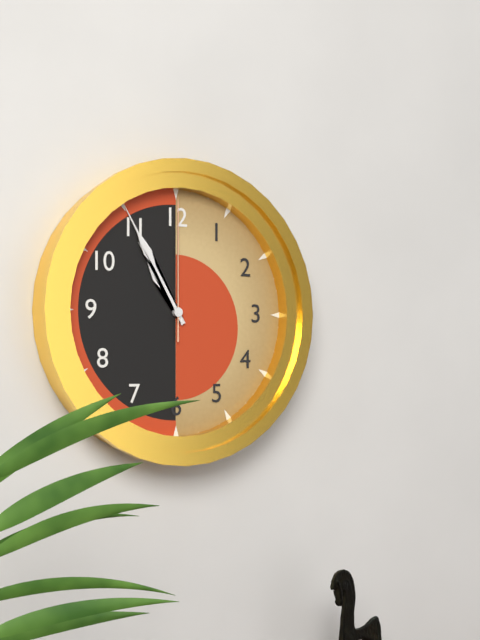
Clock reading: 10.55.00
